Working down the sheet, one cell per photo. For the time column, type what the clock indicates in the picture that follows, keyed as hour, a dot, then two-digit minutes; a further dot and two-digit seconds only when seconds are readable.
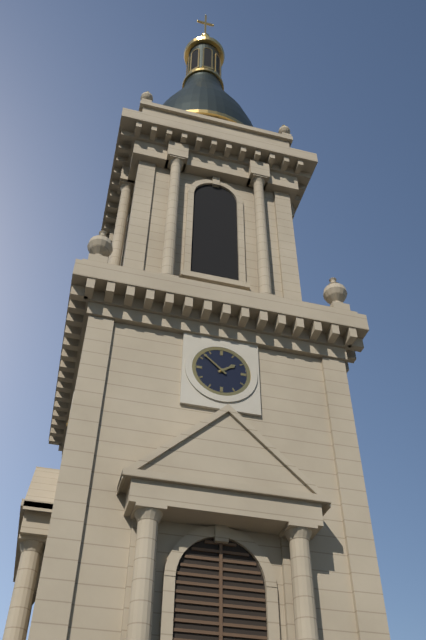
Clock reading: 1.52
